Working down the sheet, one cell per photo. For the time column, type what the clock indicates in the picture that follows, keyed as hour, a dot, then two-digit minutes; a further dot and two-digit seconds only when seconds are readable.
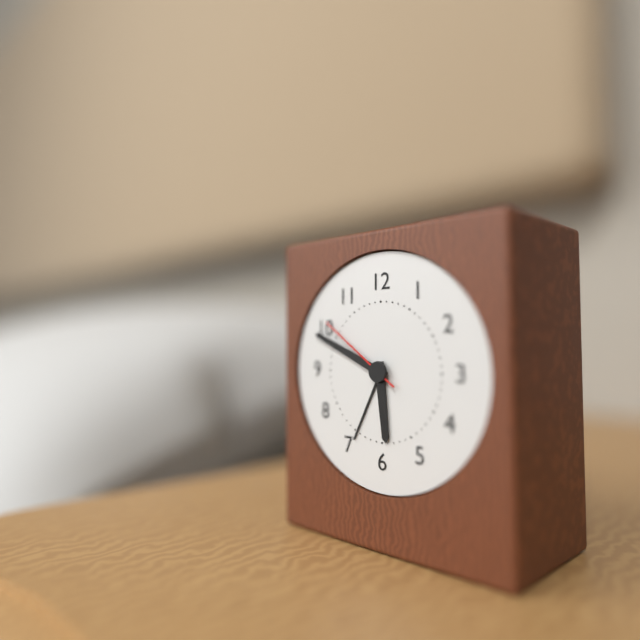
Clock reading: 5.49.51
